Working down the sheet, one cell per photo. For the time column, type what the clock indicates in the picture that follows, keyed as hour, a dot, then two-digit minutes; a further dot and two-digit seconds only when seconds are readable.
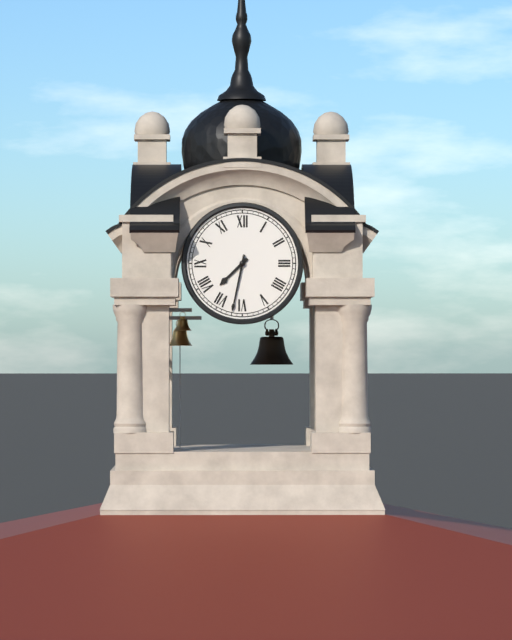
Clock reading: 7.32
